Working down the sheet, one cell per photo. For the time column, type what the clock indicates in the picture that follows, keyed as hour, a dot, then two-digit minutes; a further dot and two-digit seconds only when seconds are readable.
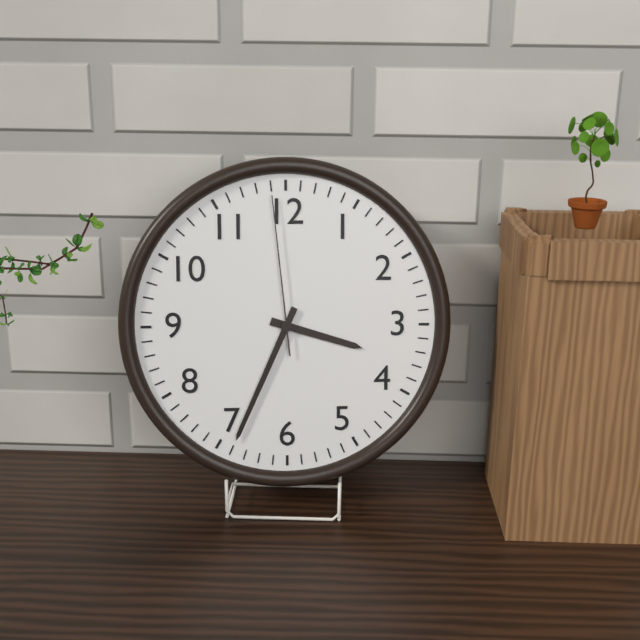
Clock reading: 3.34.59
